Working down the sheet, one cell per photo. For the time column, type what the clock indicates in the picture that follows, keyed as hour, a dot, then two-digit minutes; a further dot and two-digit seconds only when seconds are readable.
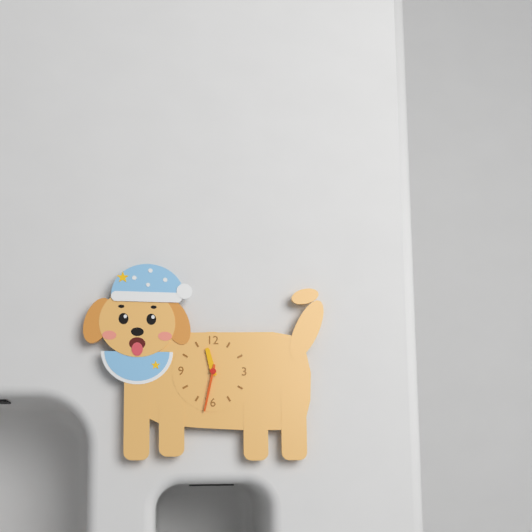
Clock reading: 11.32
